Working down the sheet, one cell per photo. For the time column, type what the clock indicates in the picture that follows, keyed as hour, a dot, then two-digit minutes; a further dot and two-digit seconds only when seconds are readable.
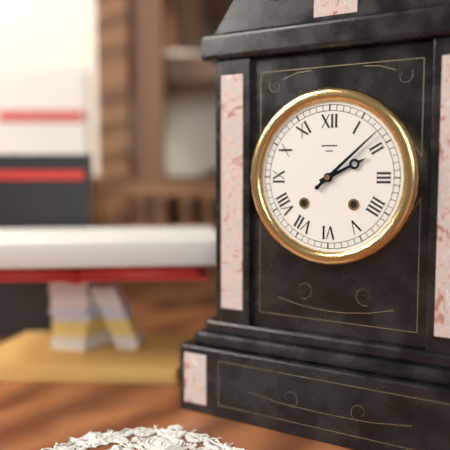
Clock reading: 2.08
